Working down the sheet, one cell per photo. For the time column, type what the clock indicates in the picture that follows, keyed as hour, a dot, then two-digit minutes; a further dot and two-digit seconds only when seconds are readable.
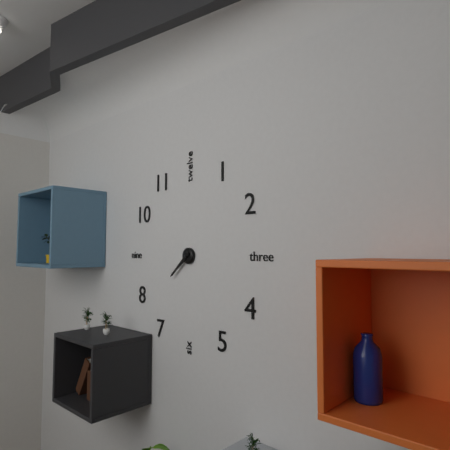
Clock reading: 7.38
